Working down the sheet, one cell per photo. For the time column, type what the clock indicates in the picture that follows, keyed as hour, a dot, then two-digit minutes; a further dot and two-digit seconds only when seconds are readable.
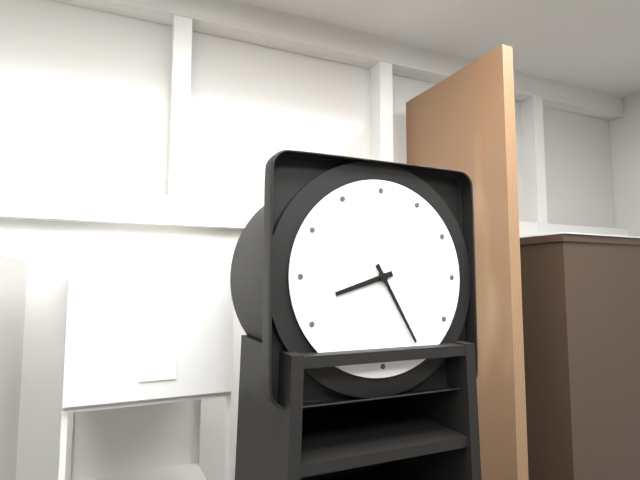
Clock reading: 8.25
